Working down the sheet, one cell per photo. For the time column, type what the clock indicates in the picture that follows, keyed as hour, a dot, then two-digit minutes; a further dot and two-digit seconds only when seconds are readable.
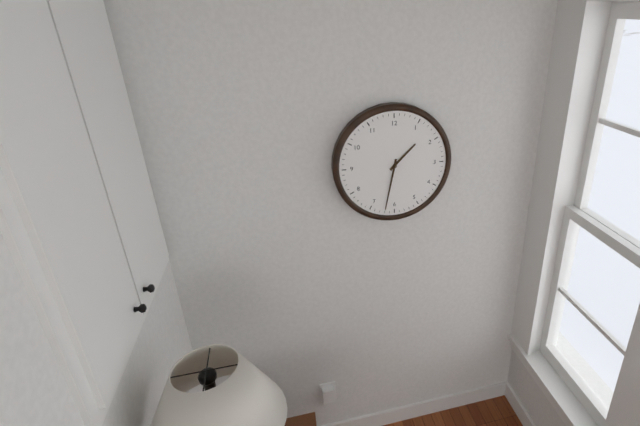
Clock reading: 1.32
